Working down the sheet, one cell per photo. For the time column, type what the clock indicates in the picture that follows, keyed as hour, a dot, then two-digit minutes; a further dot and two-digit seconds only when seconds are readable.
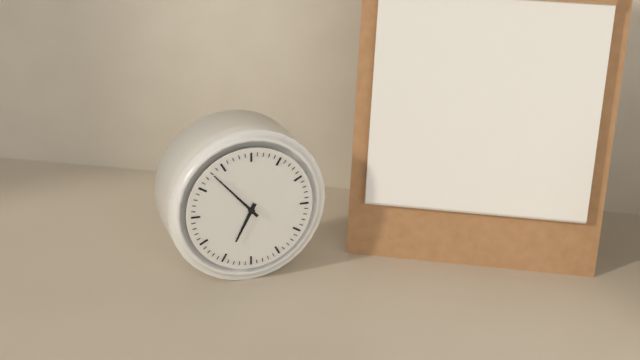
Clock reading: 6.53
